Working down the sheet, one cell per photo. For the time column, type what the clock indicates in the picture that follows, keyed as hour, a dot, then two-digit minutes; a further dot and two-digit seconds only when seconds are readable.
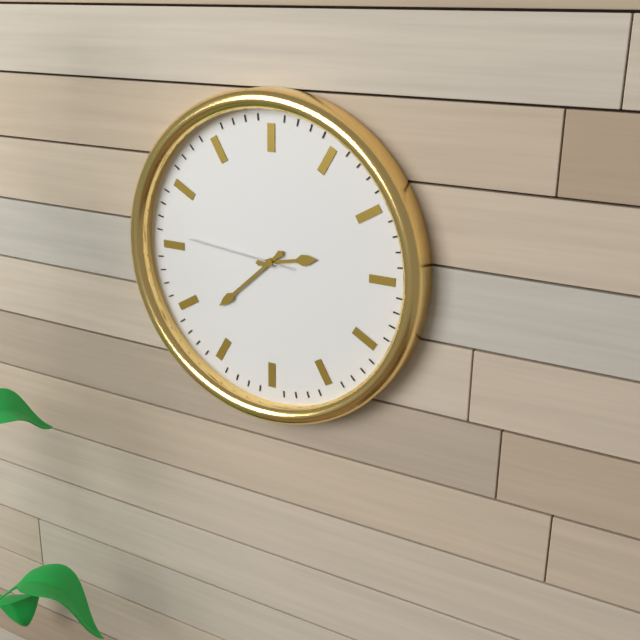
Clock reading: 2.38.46
